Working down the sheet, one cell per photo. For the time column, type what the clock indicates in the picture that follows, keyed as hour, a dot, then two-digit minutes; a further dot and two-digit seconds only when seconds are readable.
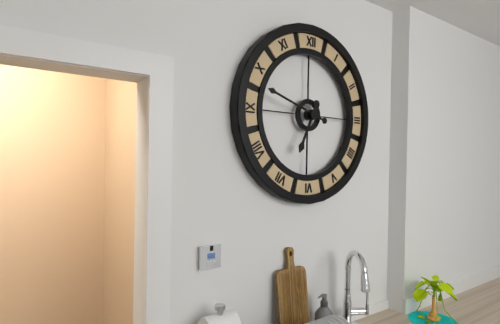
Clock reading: 6.48
